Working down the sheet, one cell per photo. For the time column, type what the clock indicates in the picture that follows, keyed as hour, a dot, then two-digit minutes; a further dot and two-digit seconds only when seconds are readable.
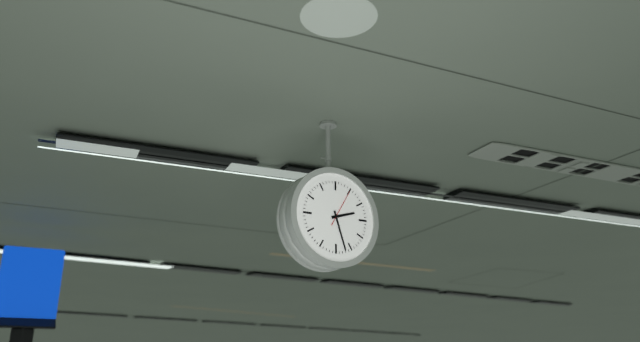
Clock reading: 2.27
